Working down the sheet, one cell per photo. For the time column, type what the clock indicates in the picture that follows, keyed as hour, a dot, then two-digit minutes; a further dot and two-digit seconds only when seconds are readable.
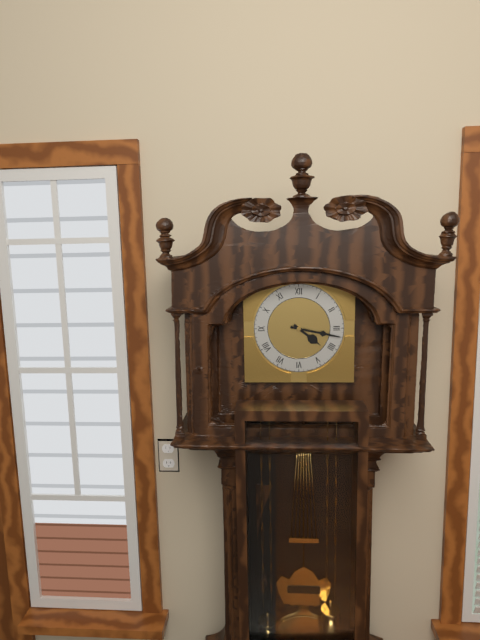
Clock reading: 4.17
